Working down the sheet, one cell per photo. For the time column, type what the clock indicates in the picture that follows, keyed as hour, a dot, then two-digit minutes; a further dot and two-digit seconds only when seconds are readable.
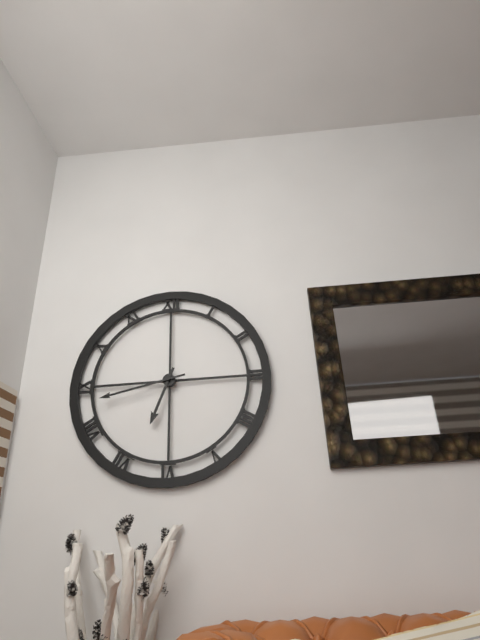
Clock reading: 6.43
